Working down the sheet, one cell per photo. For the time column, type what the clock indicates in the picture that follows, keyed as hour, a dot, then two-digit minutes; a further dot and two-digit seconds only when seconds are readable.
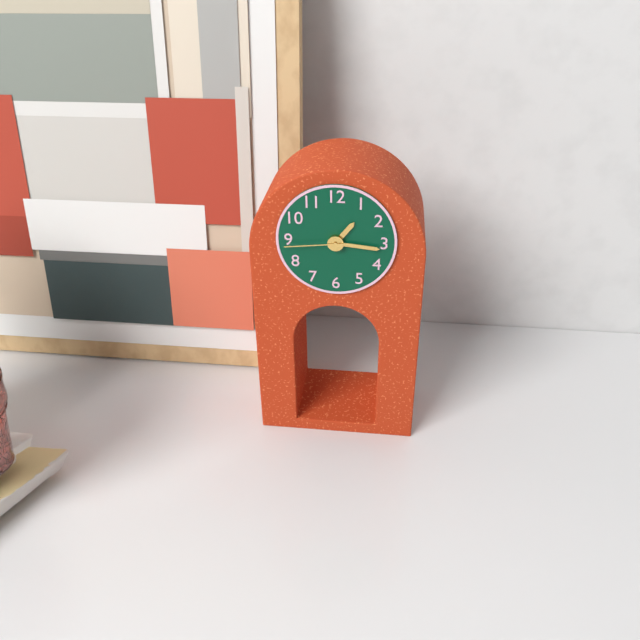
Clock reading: 1.16.44
